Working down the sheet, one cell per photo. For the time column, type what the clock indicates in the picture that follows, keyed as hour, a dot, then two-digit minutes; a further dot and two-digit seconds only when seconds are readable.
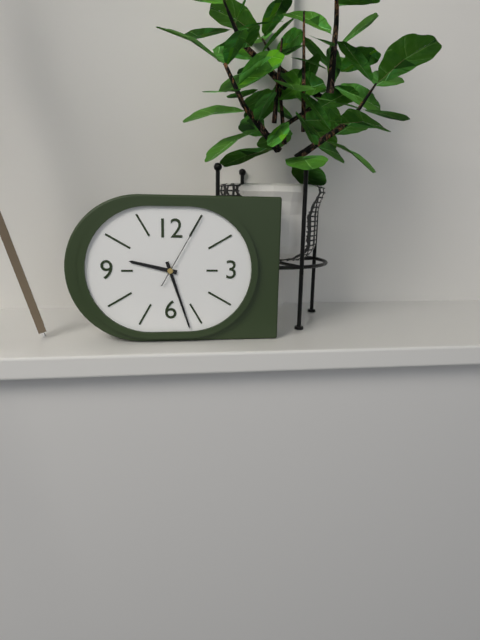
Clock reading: 9.27.05
